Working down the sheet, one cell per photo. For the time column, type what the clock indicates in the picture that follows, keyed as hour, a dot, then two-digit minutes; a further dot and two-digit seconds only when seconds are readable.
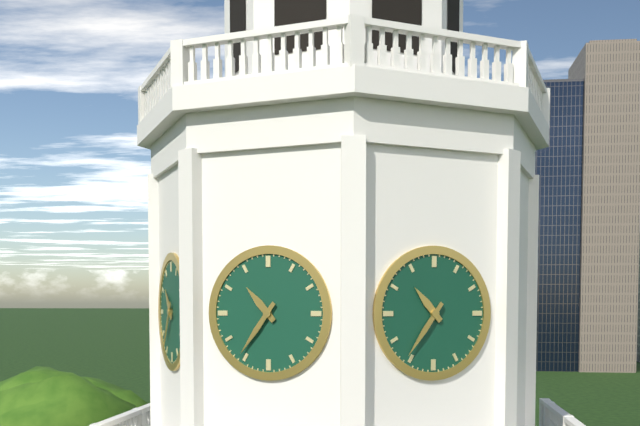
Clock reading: 10.36
